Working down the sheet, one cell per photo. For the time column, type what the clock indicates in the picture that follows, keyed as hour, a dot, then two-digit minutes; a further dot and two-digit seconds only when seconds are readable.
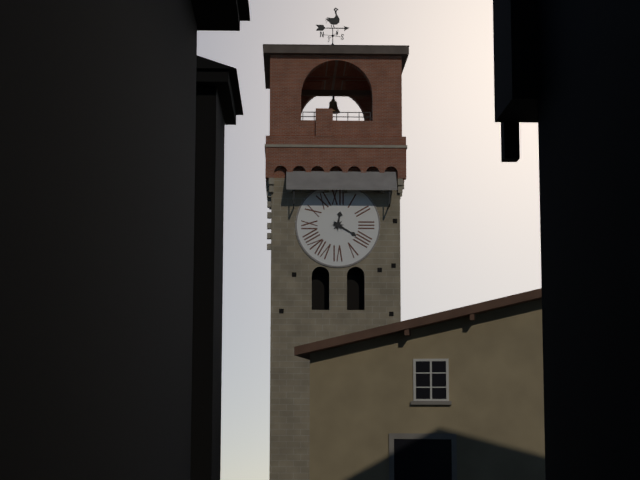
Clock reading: 12.20
